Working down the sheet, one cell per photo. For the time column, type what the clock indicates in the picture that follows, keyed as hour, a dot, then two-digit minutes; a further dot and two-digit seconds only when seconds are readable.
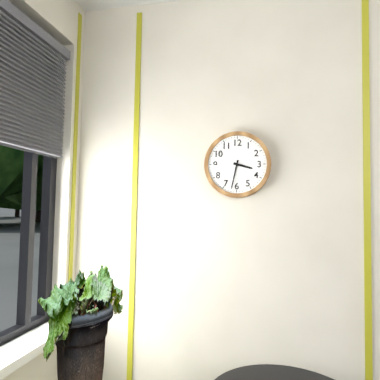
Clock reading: 3.32
